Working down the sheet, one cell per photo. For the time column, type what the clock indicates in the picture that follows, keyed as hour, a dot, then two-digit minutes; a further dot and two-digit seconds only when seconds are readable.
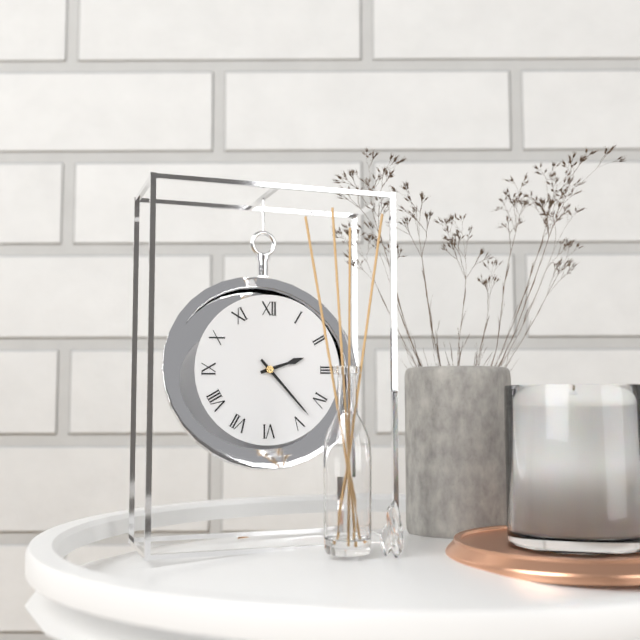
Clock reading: 2.23
